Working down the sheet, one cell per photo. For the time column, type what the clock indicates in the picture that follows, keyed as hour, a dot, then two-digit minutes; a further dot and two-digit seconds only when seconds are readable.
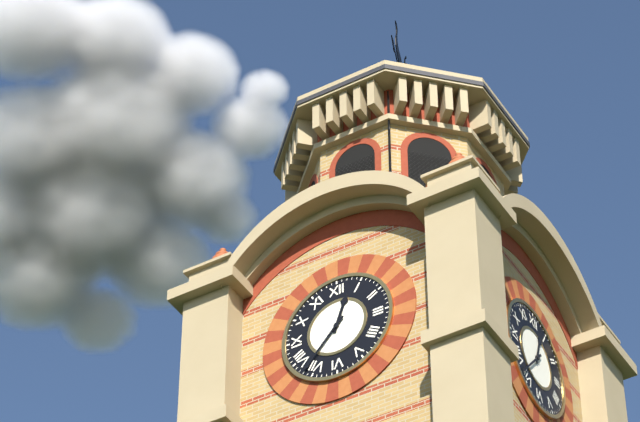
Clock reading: 12.37
